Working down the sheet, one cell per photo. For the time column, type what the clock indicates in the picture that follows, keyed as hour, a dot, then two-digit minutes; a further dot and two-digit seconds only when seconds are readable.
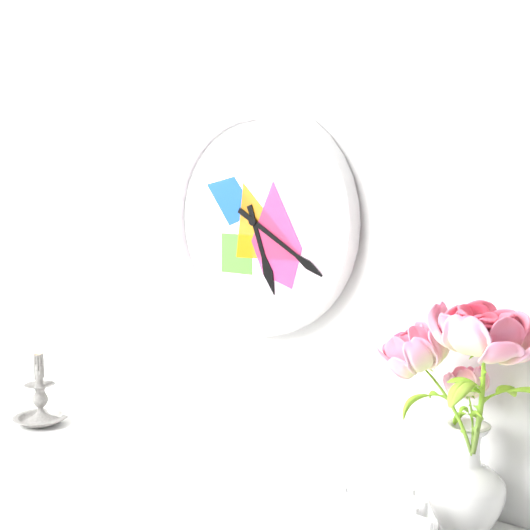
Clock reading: 5.20
